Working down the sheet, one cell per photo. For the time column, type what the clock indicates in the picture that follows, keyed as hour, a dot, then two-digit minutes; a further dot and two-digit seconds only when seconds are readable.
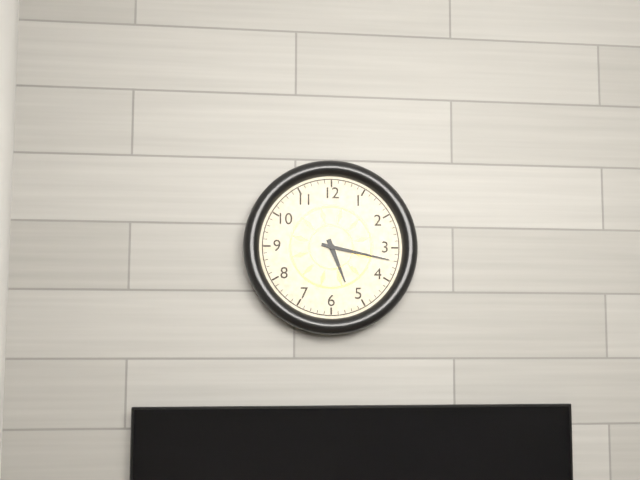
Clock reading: 5.17
